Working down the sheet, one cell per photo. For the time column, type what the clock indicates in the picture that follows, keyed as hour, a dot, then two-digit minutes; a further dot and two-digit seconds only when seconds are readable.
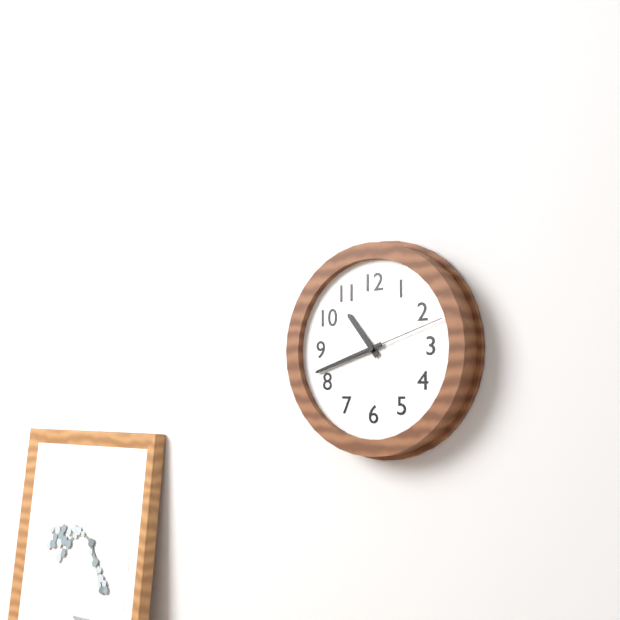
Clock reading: 10.42.12
